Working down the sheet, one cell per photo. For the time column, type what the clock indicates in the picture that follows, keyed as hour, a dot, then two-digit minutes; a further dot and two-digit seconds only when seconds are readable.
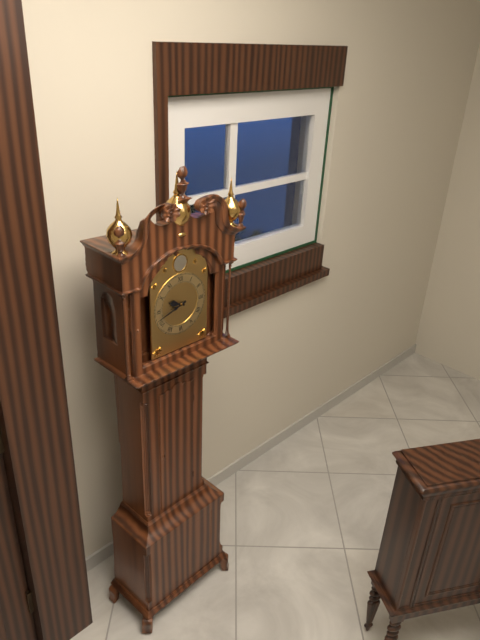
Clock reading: 9.42
